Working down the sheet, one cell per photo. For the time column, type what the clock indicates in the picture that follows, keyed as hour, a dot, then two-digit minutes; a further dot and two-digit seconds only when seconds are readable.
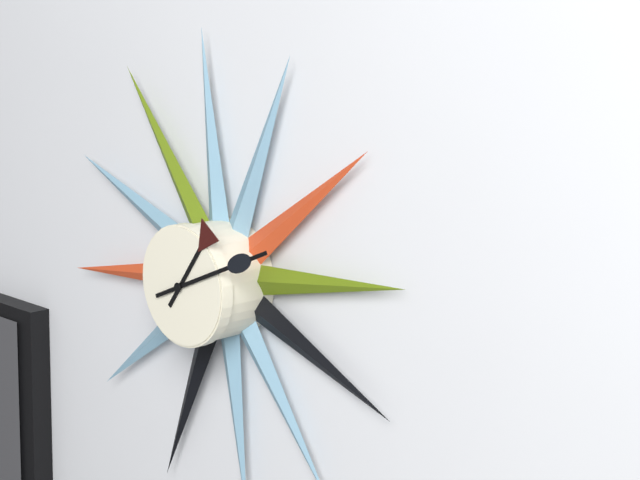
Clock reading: 1.11
